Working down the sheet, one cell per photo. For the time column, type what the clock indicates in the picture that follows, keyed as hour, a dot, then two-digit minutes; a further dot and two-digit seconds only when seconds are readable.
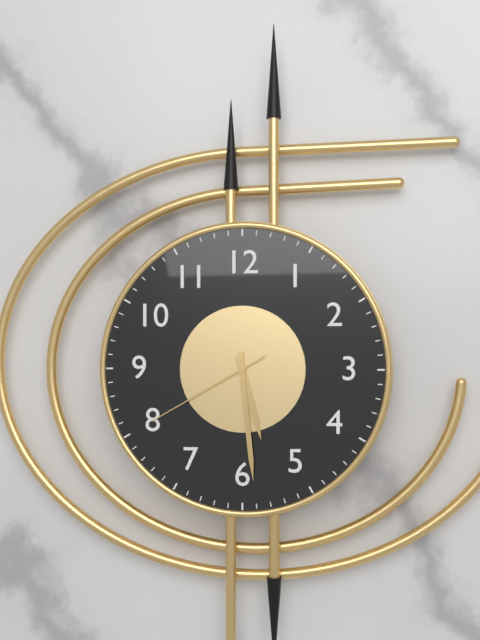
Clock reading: 5.29.40
